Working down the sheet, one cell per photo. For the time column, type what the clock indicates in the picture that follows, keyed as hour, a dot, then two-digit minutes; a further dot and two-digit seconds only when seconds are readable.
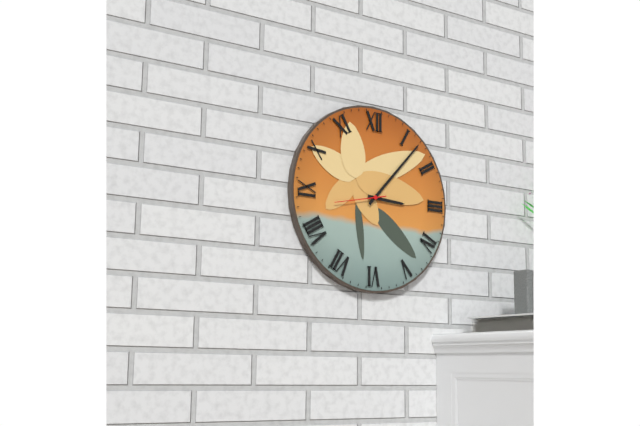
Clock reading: 3.07
